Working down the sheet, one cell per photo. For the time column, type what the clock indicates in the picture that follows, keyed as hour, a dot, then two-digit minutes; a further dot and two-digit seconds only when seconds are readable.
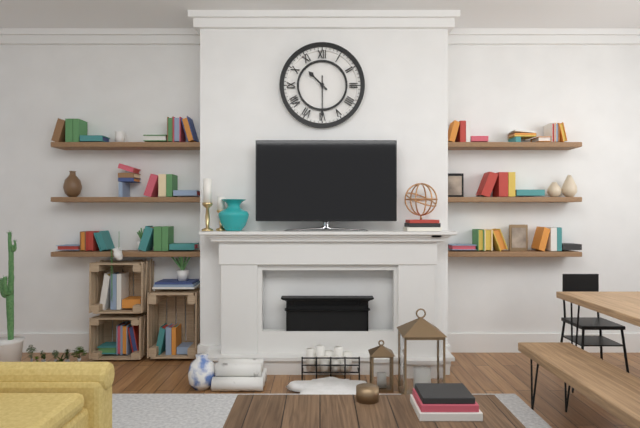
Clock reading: 10.30
